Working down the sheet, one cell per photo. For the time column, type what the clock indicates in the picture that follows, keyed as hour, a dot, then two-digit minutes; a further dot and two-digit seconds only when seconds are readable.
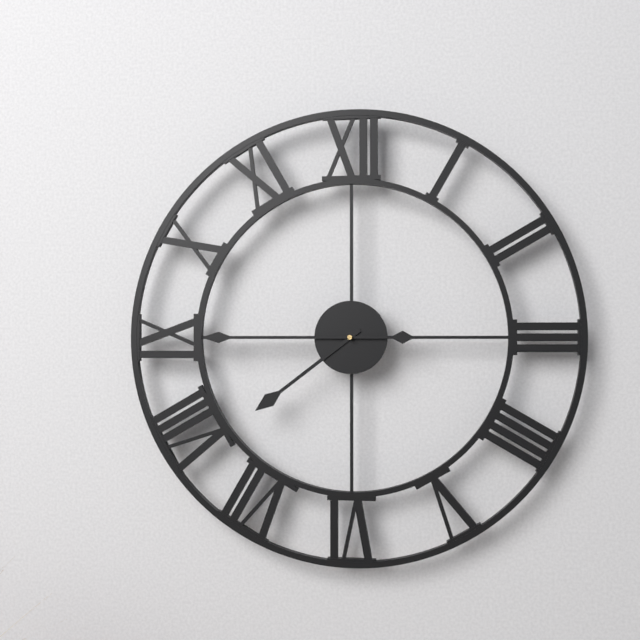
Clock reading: 7.45
